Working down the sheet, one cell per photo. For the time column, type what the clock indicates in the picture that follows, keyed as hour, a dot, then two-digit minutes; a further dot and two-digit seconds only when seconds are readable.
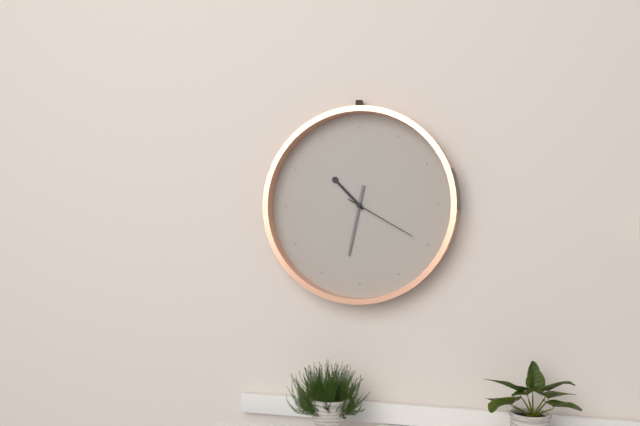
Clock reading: 10.32.20
